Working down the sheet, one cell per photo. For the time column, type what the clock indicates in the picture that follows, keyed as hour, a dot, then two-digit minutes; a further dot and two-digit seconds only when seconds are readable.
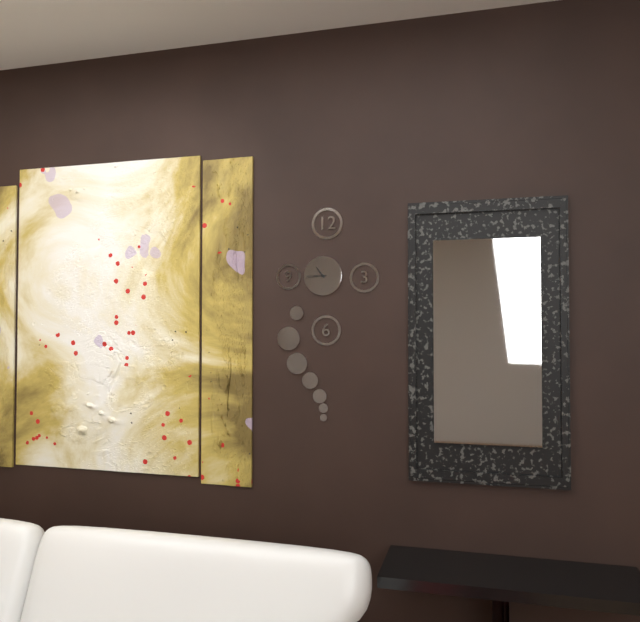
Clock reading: 10.45
